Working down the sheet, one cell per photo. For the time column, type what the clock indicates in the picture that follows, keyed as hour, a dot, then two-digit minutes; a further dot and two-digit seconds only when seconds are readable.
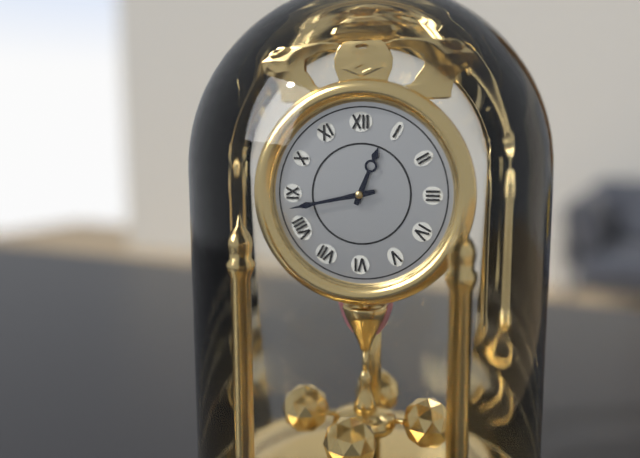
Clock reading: 12.43
